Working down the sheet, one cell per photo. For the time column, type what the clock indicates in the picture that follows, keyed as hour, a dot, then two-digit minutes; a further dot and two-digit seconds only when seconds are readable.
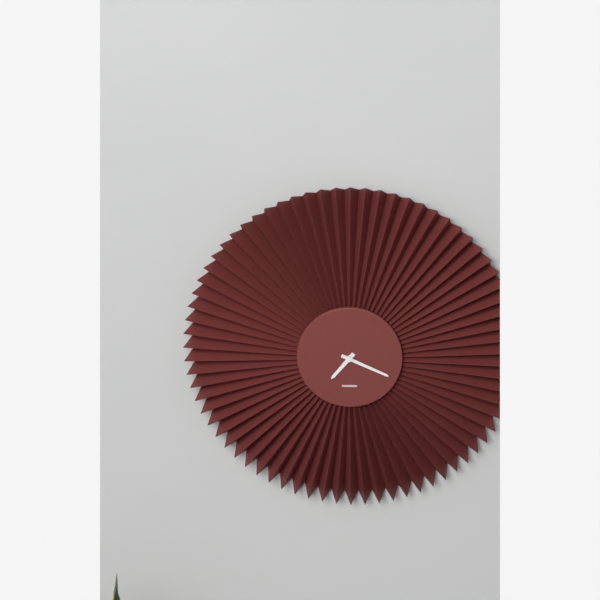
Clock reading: 7.19
